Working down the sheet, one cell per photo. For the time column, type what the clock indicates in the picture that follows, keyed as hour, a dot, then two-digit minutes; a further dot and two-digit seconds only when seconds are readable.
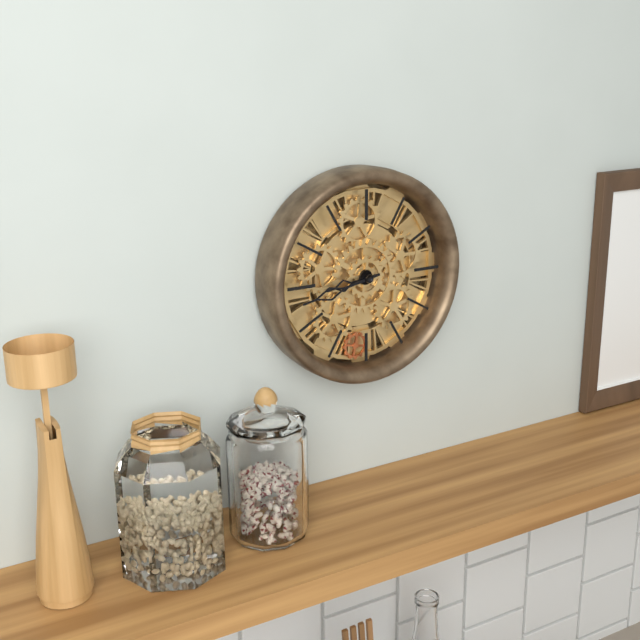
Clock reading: 8.43
